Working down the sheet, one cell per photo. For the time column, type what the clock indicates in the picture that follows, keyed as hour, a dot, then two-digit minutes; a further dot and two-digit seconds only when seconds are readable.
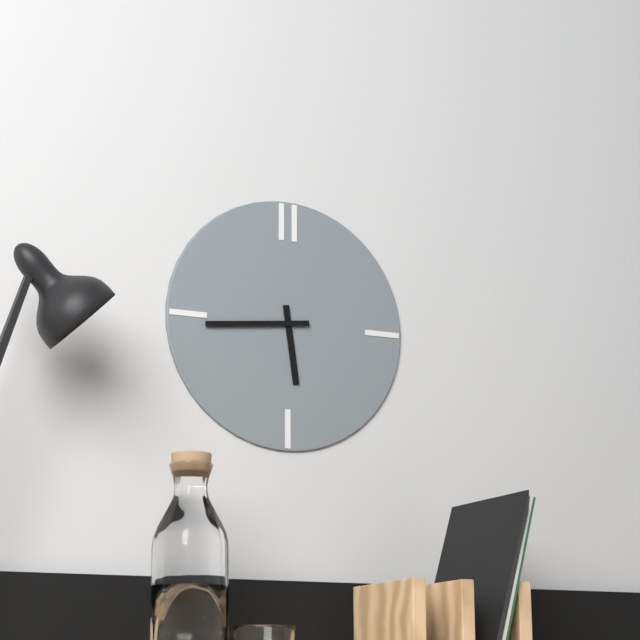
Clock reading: 5.44
